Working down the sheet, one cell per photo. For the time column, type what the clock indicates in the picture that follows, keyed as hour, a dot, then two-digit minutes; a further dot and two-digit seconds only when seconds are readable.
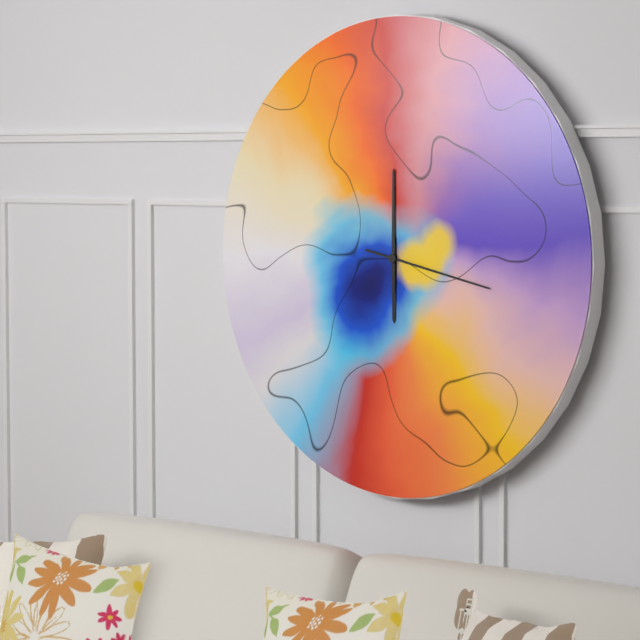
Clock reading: 6.00.17
